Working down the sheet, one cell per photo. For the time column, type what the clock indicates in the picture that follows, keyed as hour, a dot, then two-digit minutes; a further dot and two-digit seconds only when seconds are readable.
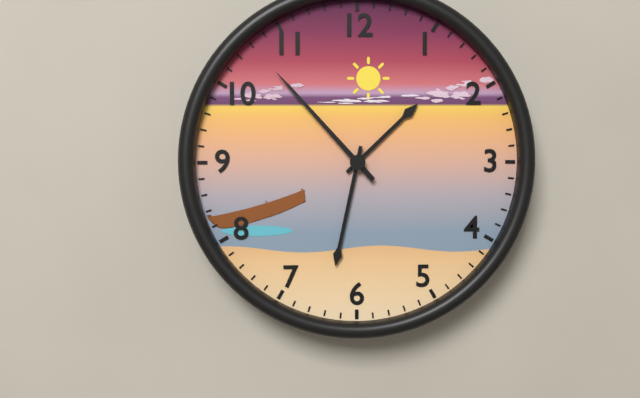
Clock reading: 1.32.53
